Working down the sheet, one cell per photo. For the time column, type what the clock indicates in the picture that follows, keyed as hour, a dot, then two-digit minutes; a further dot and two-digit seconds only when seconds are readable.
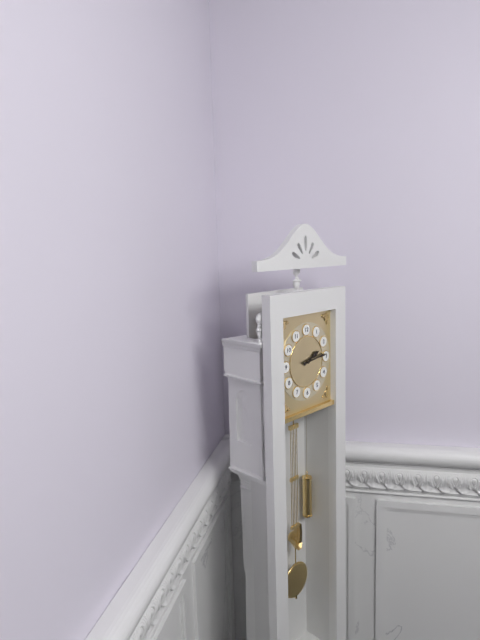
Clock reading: 2.14
